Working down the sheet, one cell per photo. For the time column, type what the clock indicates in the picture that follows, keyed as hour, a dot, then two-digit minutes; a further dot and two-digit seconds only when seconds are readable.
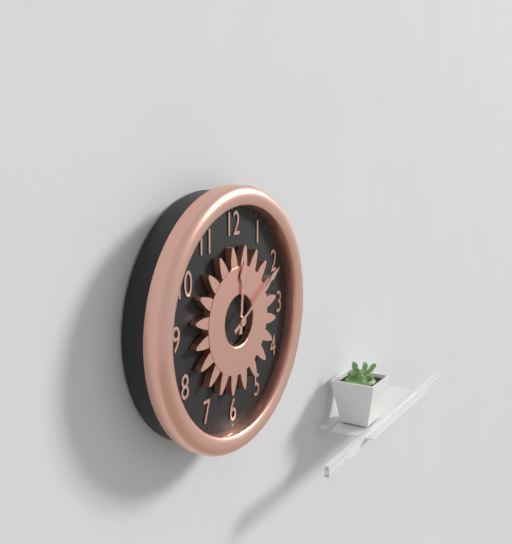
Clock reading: 12.10
